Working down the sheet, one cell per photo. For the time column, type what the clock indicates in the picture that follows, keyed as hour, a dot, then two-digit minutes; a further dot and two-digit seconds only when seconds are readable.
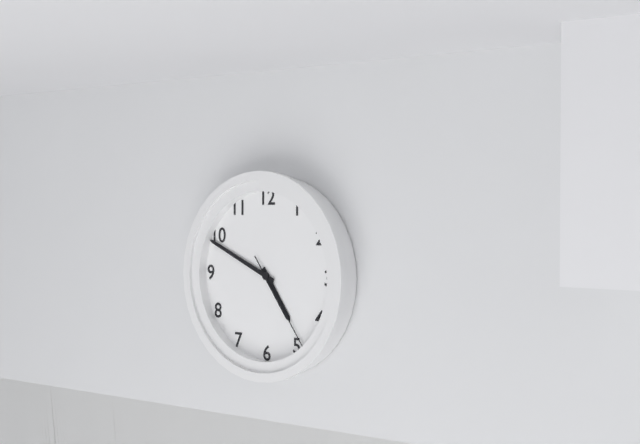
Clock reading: 4.49.24
